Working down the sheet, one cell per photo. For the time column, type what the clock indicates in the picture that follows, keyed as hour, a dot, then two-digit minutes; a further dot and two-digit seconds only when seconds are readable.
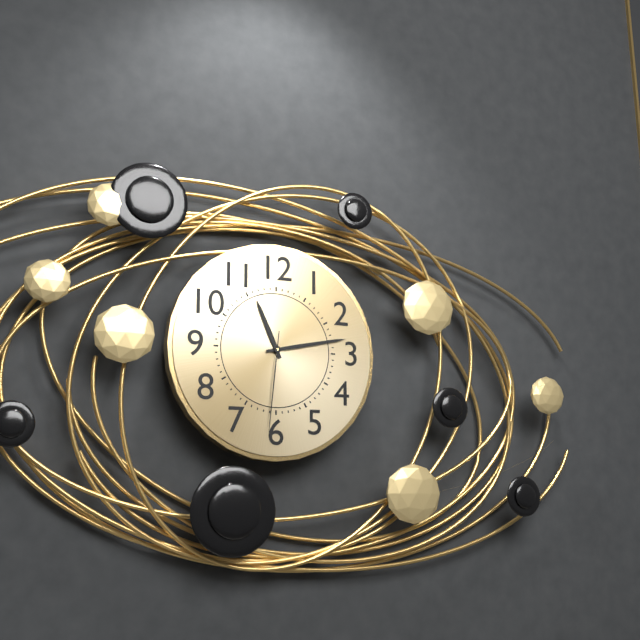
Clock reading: 11.13.31
